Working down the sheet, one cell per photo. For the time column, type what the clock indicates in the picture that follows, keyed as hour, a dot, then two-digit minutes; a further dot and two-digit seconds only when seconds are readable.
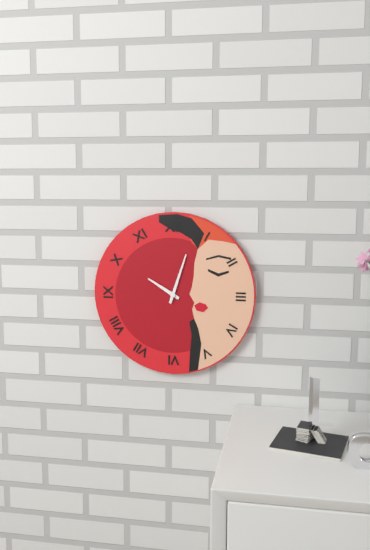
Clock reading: 10.03
